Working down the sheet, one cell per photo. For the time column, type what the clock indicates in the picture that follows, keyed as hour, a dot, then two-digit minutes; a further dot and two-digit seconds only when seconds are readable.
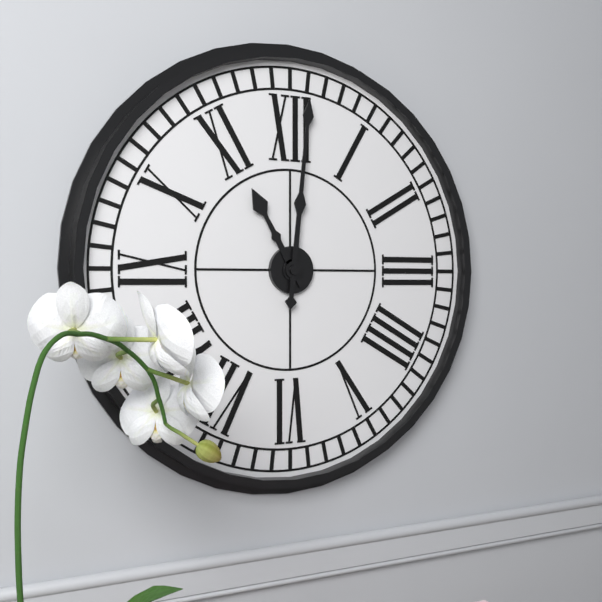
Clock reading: 11.01
